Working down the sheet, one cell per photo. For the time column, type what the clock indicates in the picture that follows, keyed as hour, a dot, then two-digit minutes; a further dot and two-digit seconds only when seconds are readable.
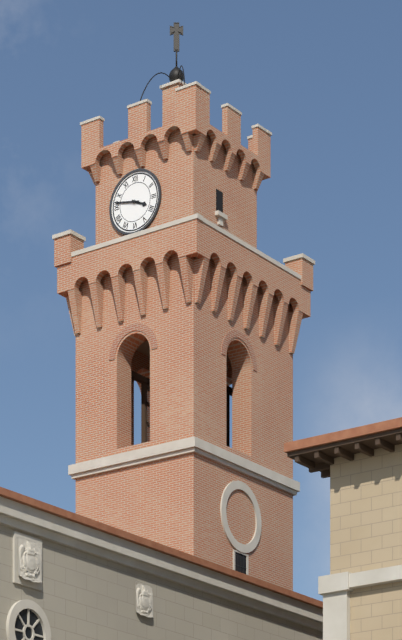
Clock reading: 3.47
